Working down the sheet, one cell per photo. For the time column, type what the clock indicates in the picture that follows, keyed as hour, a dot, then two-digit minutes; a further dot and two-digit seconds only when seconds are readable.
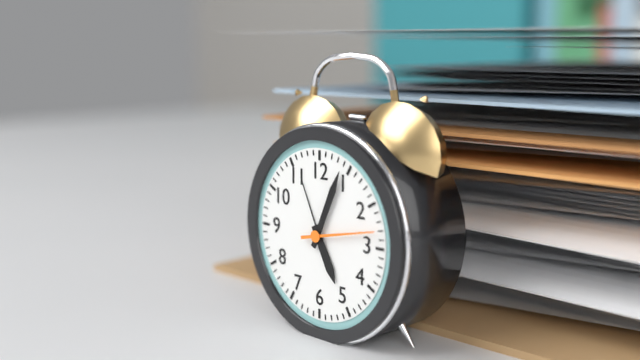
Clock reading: 5.04.13
